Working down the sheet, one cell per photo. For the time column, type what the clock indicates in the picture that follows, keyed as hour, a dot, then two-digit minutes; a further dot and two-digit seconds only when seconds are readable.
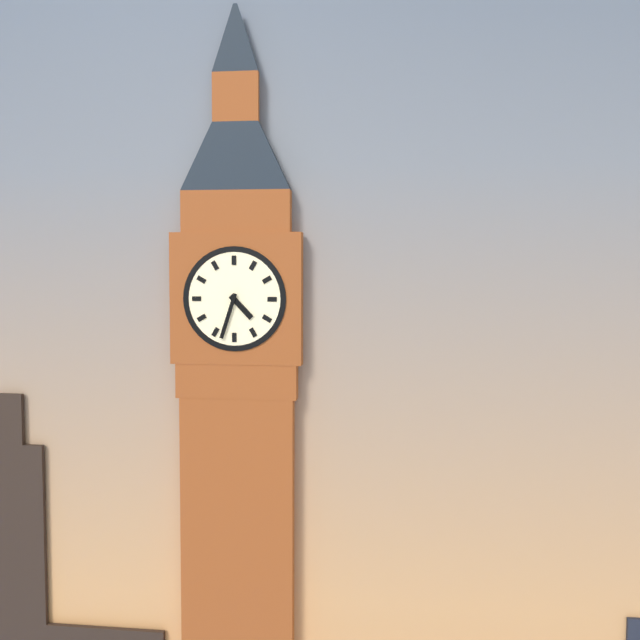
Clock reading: 4.33
